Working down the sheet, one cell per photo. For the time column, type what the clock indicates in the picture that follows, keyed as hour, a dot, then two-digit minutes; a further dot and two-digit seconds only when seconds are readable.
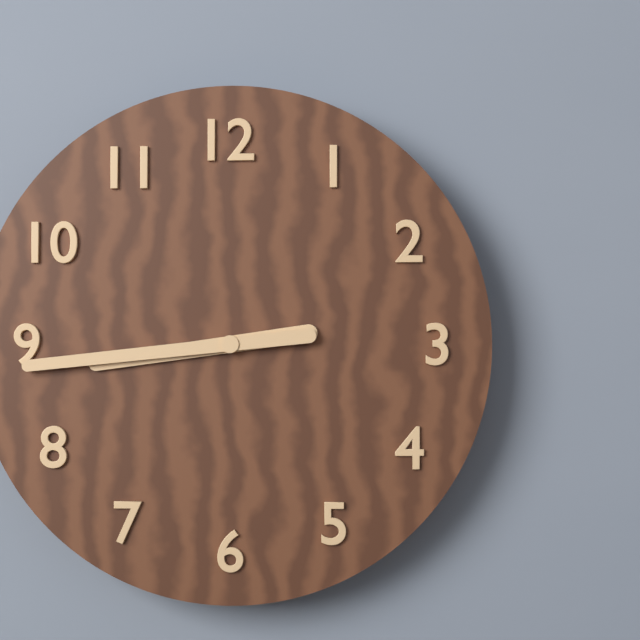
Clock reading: 8.44
